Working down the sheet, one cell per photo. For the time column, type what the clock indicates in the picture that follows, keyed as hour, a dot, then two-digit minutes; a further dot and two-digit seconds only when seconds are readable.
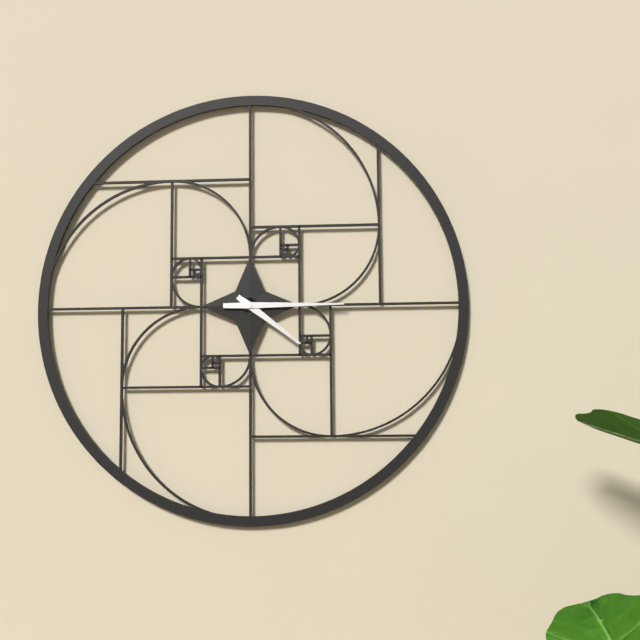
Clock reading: 4.15
